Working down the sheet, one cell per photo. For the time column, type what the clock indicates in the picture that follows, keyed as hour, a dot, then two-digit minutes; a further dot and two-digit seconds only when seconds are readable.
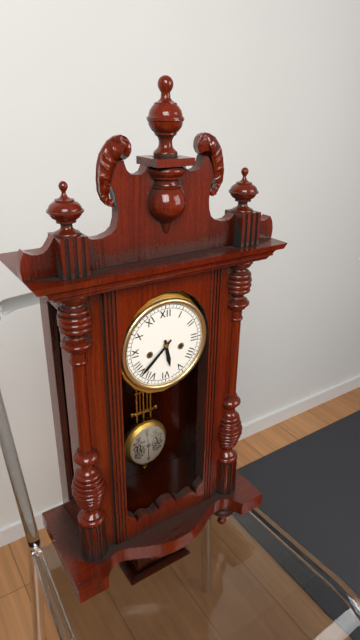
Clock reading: 5.38
